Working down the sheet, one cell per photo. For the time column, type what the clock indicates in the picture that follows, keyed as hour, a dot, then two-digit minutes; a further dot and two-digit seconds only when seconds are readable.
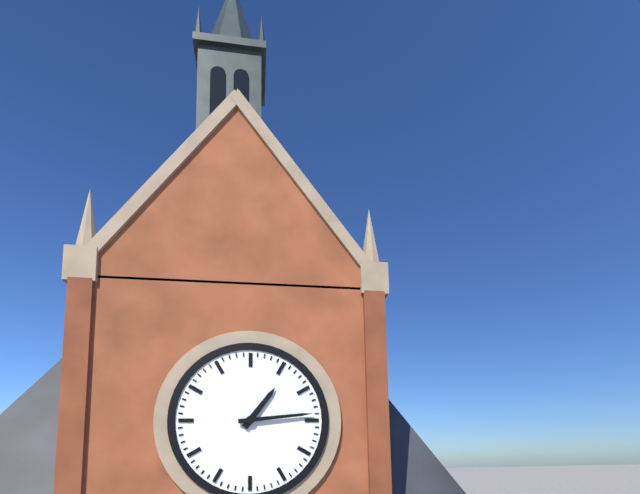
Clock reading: 1.14
